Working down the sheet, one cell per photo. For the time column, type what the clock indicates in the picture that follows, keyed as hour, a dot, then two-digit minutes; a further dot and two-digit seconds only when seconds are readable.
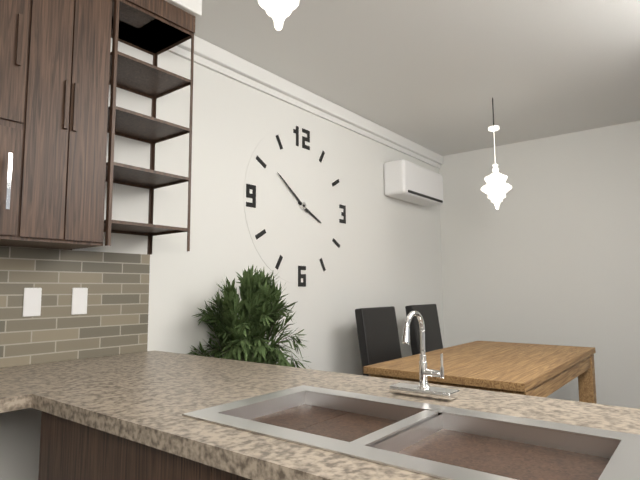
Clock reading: 3.51
